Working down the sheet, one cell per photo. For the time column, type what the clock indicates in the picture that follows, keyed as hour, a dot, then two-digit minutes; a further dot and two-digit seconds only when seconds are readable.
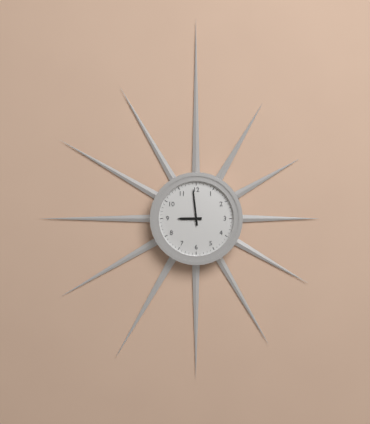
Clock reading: 8.59
